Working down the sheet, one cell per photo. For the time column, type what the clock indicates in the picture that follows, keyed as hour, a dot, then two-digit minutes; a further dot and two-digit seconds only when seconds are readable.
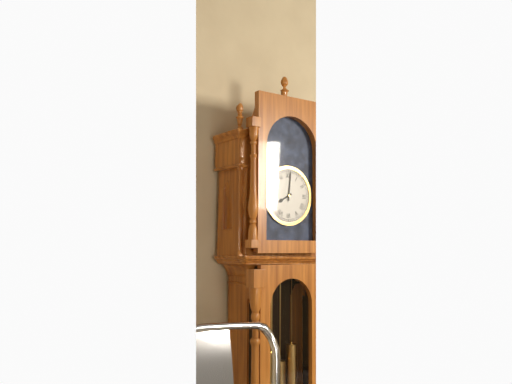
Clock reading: 8.01
